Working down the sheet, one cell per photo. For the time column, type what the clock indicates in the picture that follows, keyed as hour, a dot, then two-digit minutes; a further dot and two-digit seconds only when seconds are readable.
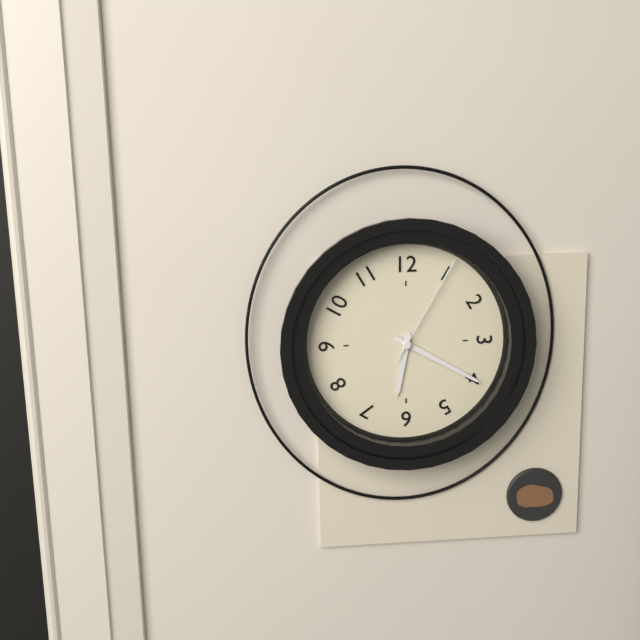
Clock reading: 6.20.05
